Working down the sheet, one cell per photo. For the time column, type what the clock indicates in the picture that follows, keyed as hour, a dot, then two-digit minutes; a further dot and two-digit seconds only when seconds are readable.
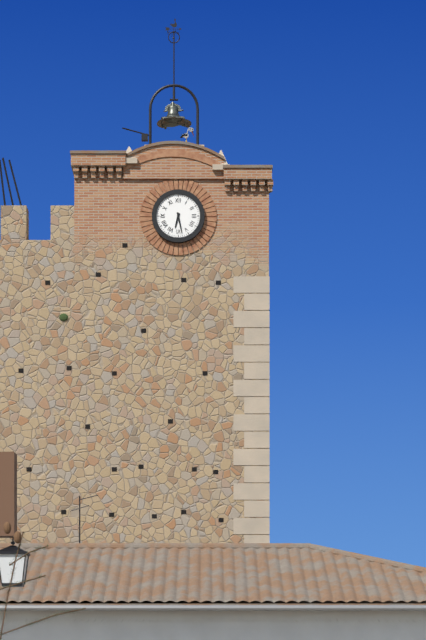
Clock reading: 6.28
